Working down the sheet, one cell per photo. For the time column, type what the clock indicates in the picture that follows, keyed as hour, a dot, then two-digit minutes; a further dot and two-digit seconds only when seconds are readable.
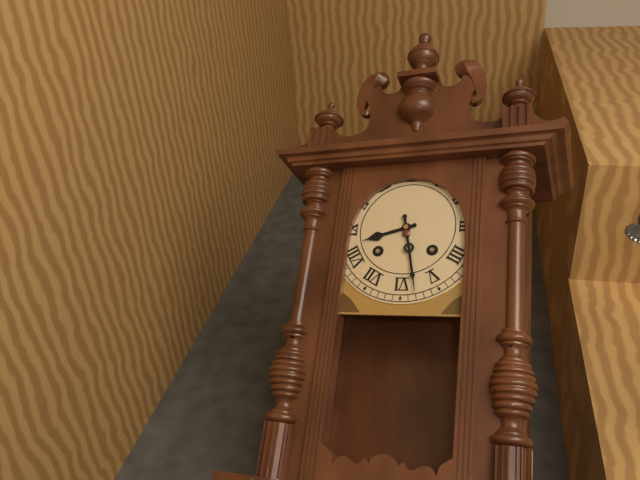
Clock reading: 8.28
